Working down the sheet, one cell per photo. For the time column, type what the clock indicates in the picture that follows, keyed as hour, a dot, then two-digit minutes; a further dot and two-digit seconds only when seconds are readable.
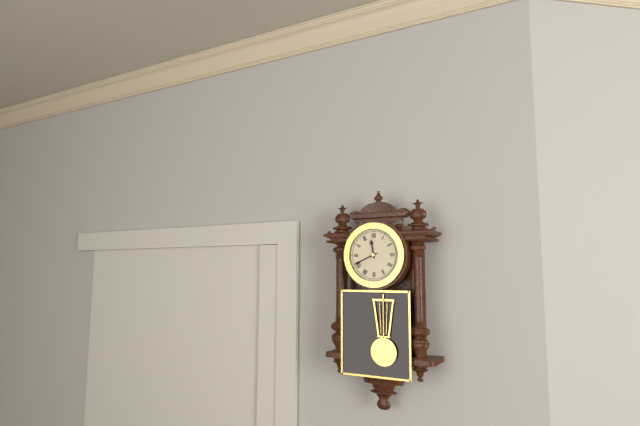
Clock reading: 11.41
